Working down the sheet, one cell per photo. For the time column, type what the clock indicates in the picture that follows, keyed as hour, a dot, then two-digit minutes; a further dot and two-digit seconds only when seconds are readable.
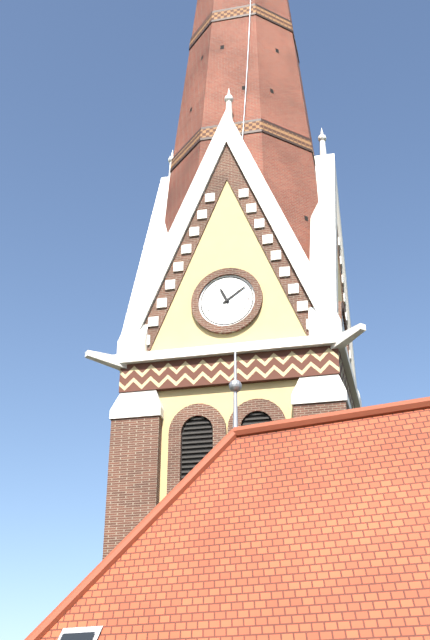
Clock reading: 11.09
